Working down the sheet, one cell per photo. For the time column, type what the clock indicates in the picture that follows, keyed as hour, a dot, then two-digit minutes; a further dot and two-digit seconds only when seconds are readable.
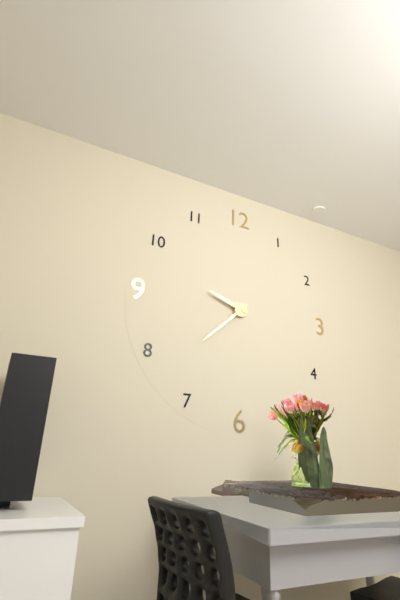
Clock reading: 9.38
